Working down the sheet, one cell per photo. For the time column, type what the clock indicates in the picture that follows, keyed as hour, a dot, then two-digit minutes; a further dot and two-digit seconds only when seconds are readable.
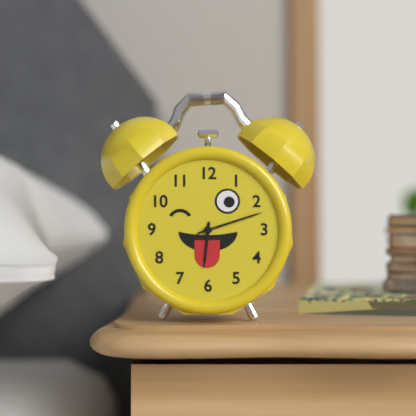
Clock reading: 6.12
